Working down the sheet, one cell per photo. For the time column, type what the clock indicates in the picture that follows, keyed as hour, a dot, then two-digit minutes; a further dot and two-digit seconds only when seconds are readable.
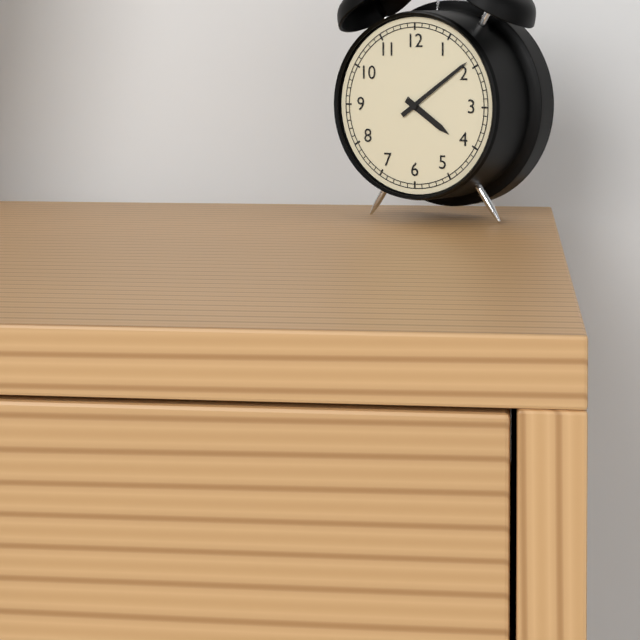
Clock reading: 4.09
